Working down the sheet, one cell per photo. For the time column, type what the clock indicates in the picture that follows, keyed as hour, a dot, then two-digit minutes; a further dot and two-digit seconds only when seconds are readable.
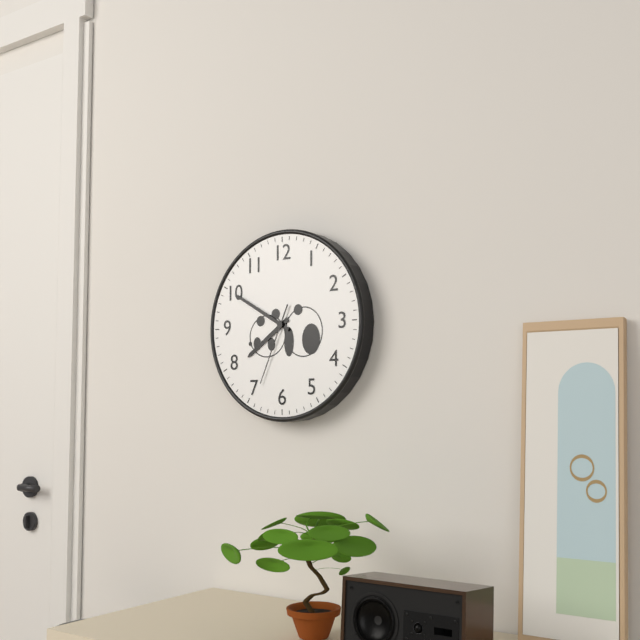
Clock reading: 7.50.34
